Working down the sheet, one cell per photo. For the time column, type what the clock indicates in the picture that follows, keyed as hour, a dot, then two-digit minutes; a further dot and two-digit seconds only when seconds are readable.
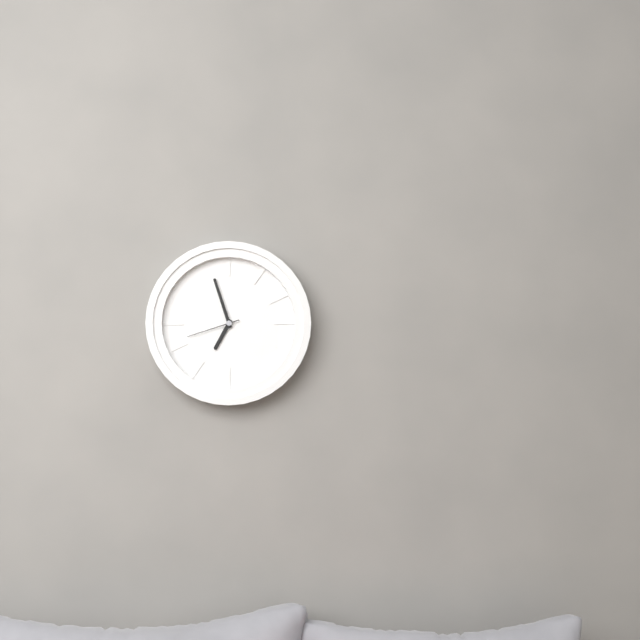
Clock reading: 6.57.42
